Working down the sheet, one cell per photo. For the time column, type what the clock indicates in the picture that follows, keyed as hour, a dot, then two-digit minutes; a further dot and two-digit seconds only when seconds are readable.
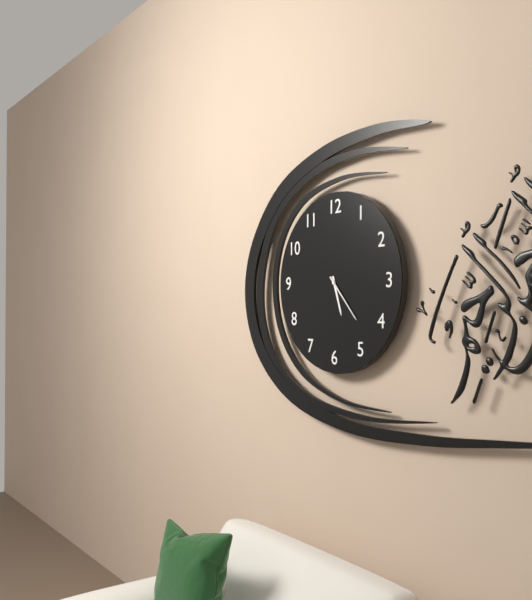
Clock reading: 5.23
